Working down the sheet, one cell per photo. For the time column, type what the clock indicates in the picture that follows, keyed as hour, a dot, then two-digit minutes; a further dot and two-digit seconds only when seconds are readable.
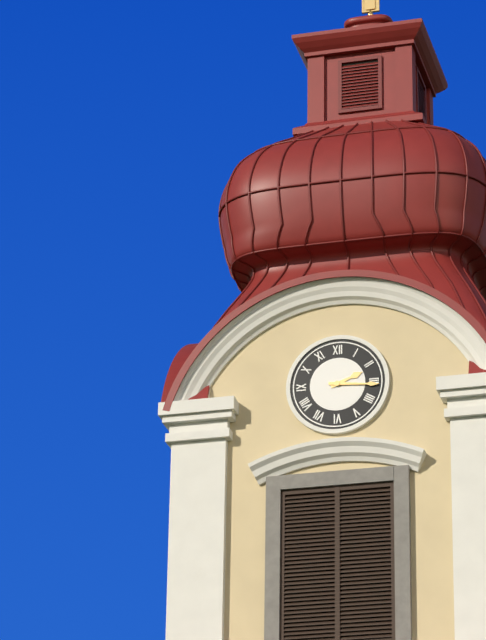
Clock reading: 2.16
